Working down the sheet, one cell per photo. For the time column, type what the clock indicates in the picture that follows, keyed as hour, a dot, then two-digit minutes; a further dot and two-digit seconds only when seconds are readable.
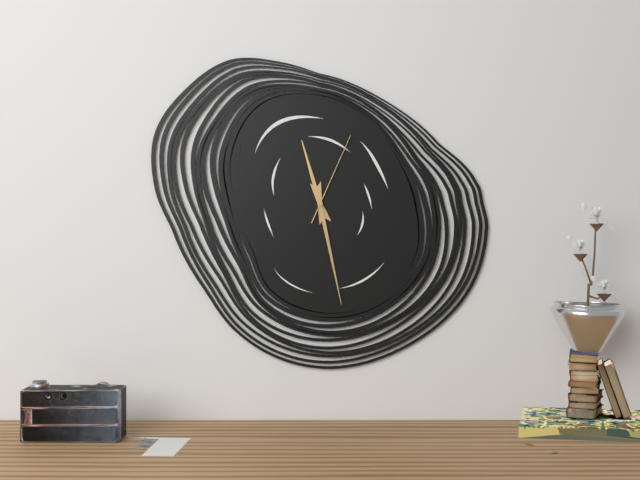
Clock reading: 11.28.04
